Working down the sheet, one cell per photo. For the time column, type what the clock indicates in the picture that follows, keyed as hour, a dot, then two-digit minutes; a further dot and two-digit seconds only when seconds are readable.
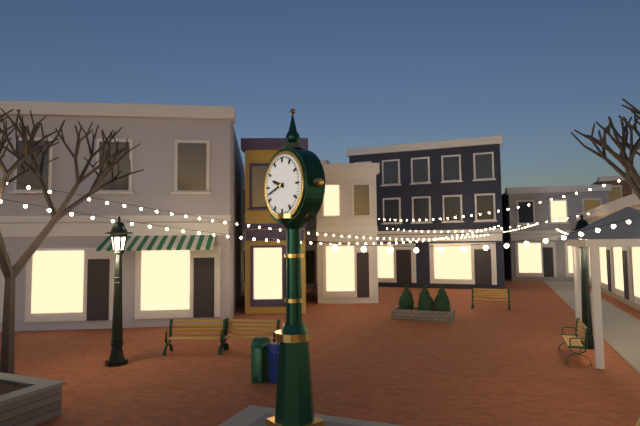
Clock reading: 9.42
